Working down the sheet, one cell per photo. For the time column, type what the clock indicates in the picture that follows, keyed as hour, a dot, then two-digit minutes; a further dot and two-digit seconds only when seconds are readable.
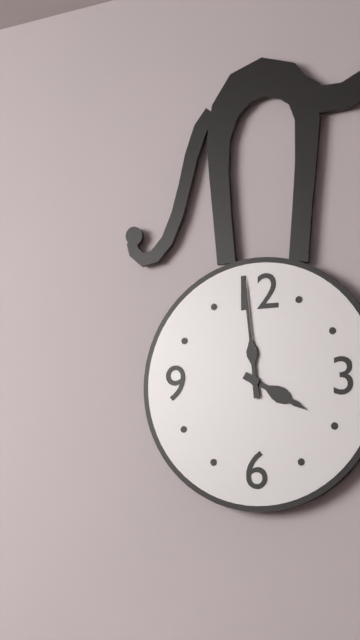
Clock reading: 3.59
